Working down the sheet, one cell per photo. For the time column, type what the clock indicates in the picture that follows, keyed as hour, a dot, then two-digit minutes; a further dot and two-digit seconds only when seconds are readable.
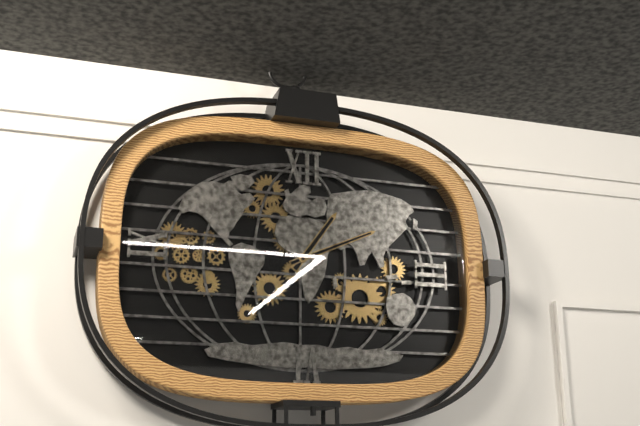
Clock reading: 1.11
